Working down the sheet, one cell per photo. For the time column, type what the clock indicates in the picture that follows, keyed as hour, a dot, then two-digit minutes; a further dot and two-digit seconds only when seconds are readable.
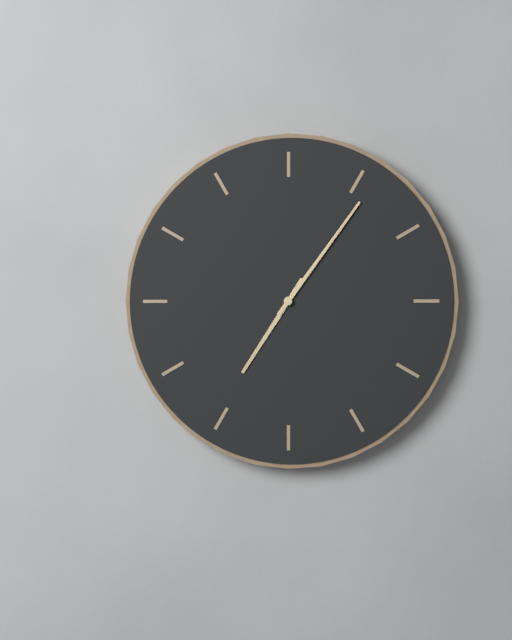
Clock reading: 7.06
